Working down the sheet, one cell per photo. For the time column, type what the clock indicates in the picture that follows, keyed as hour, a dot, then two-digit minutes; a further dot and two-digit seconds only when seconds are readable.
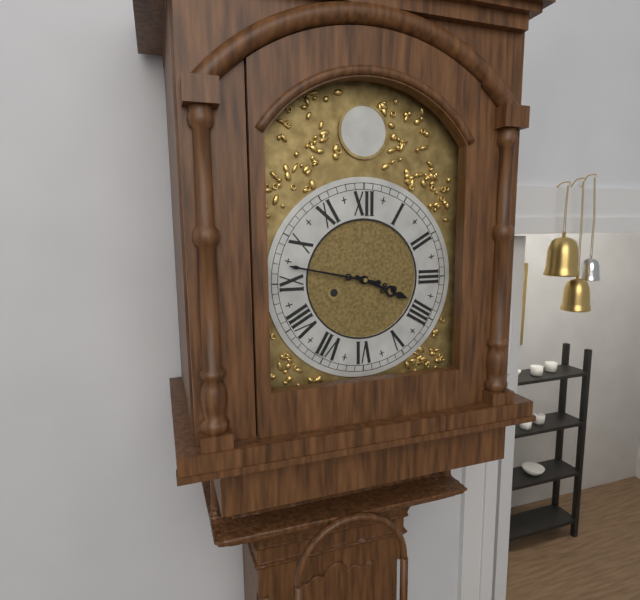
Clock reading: 3.47
